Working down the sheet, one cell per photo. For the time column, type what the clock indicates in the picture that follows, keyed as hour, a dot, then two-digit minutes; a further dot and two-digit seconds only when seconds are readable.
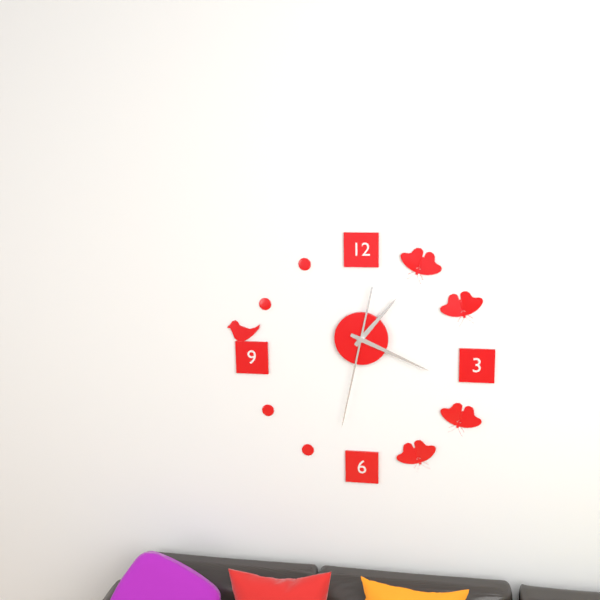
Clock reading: 1.19.32
